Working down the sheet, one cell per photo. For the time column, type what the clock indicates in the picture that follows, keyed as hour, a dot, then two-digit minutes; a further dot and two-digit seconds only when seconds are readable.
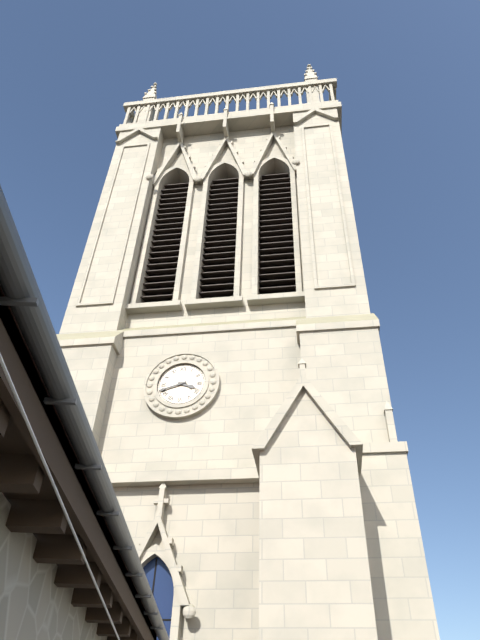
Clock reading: 3.42
